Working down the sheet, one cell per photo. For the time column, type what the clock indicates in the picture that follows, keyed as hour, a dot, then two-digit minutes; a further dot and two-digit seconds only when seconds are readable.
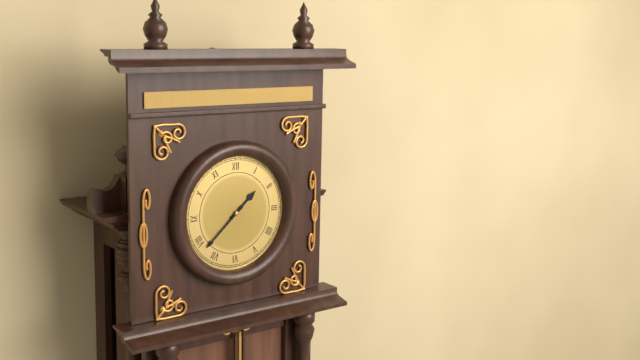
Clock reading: 1.38
